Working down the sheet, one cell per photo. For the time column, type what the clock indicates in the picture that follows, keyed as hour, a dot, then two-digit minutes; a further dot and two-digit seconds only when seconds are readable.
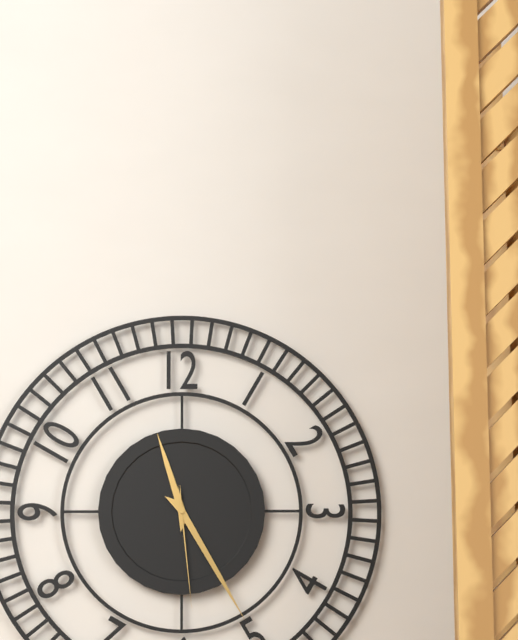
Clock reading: 11.25.29
